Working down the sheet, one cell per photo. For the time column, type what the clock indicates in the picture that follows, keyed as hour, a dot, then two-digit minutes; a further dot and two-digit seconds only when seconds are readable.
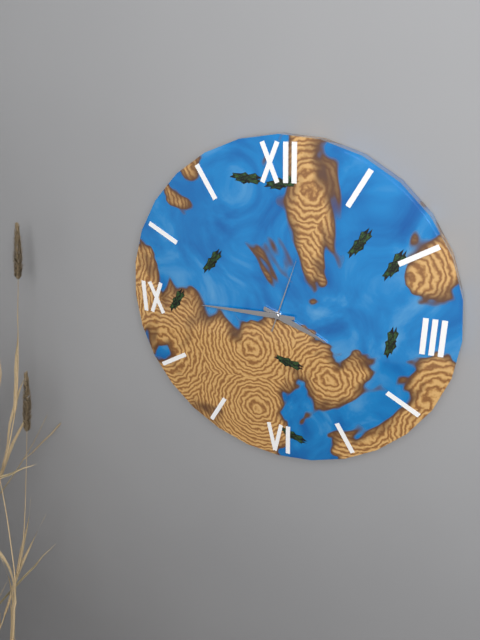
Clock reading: 3.45.03
